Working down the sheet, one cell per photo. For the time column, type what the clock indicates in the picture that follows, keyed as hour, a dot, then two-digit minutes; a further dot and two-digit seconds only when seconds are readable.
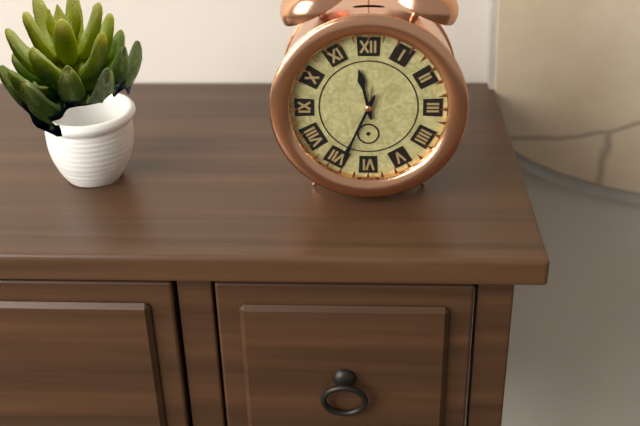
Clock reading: 11.34
